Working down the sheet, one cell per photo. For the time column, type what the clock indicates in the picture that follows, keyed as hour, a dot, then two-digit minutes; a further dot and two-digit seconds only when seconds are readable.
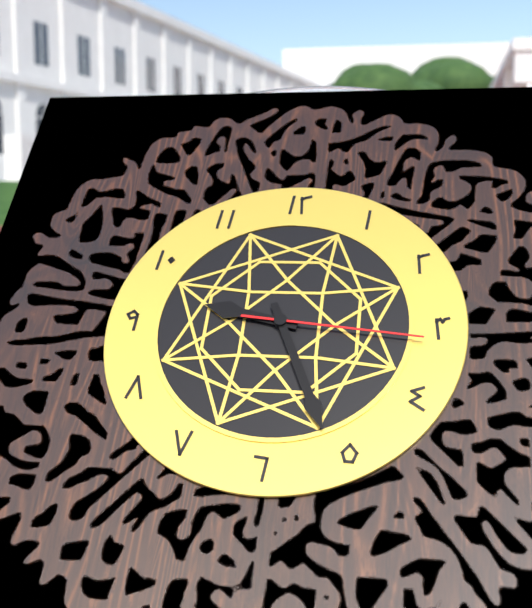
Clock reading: 9.26.16
